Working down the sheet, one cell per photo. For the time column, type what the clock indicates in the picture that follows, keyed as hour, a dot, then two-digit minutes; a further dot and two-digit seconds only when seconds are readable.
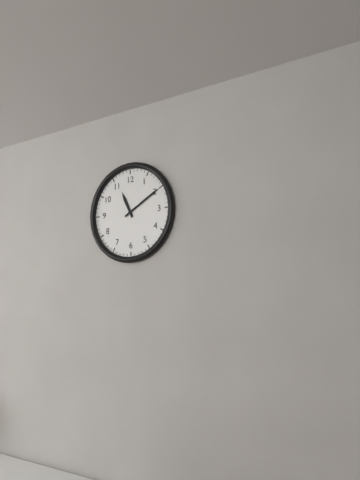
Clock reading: 11.10
